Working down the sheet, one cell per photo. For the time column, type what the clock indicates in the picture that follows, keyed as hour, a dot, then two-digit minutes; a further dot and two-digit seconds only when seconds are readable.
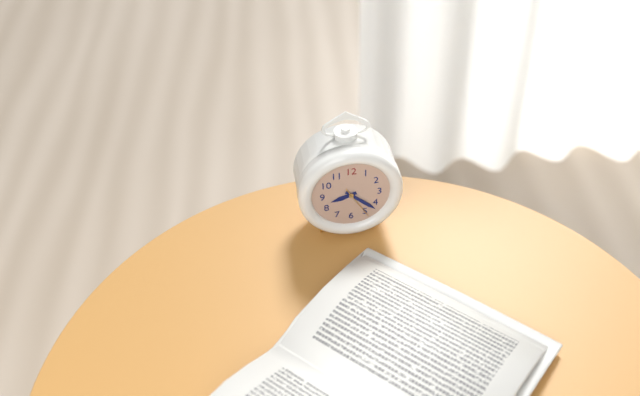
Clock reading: 8.22
